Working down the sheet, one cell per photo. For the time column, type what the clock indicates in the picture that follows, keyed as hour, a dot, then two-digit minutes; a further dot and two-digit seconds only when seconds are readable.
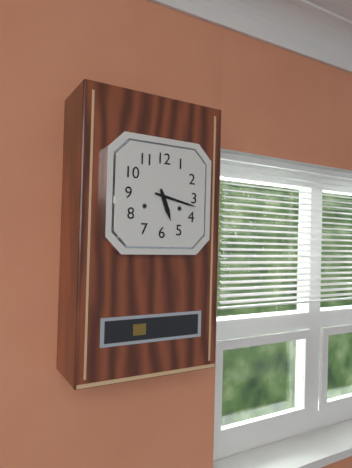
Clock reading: 5.17
